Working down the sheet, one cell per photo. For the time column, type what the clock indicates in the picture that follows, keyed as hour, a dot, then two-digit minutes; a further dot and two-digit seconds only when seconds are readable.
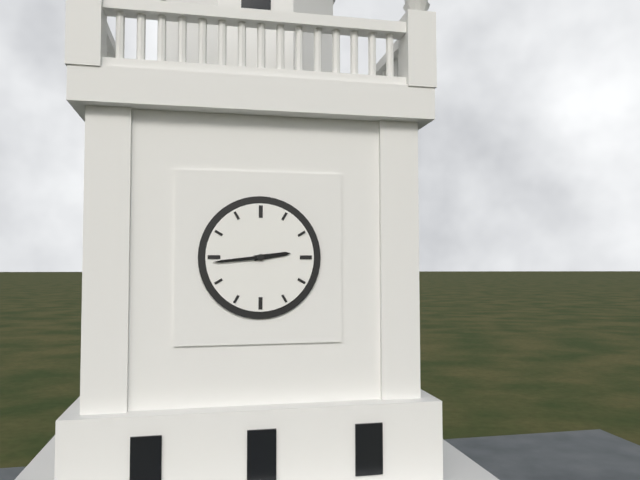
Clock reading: 2.44
